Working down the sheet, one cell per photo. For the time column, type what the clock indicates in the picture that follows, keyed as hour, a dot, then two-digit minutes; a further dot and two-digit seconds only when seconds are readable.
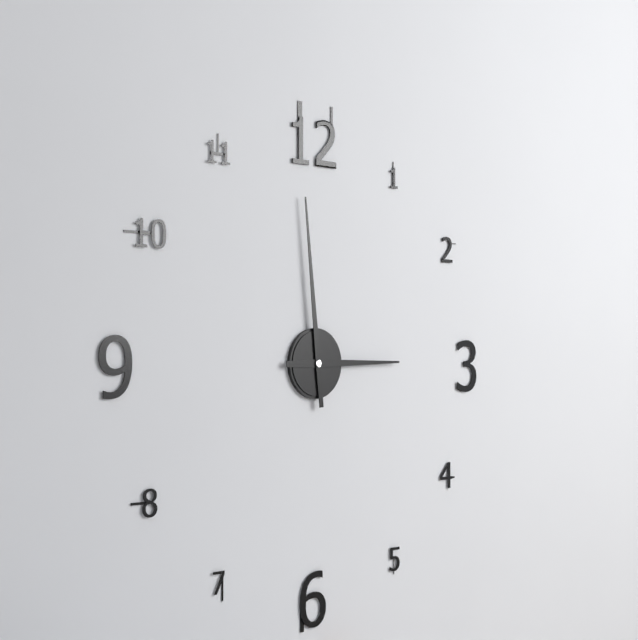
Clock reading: 2.59
